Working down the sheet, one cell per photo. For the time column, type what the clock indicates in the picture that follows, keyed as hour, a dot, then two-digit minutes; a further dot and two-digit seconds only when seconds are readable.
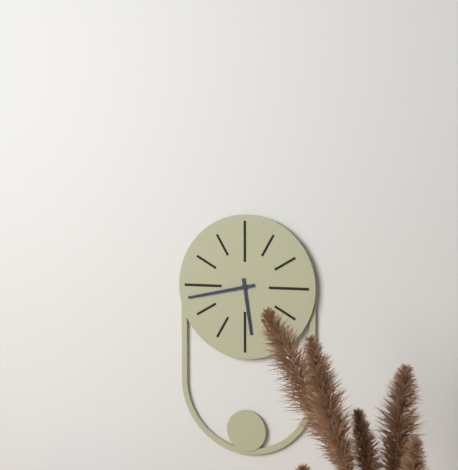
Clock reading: 5.43
